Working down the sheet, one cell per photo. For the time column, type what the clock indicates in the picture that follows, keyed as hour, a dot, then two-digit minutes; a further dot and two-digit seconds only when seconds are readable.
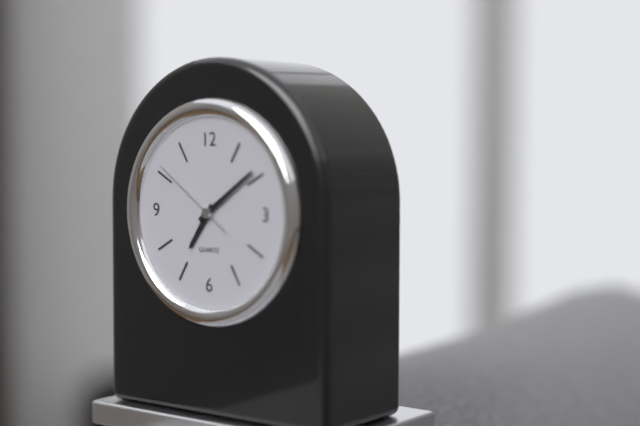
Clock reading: 7.09.51
